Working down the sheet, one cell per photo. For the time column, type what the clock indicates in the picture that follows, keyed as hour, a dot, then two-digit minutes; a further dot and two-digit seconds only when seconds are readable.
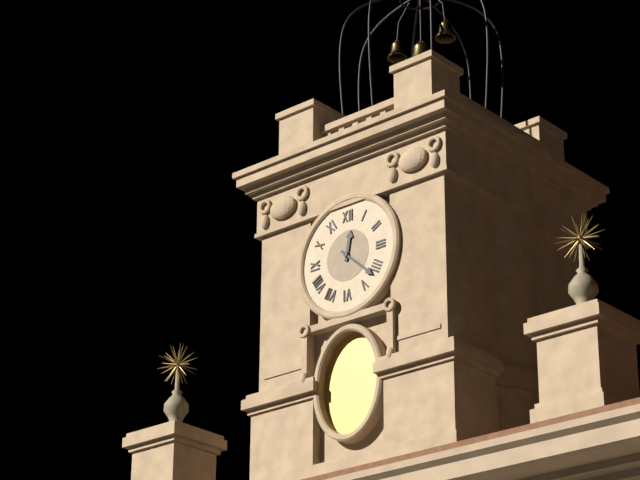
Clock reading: 12.22
